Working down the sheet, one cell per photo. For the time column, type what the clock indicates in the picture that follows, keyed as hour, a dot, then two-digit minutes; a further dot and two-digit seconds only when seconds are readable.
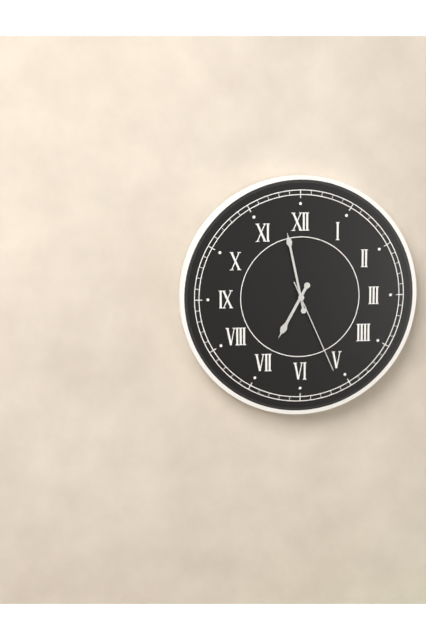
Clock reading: 6.58.26
